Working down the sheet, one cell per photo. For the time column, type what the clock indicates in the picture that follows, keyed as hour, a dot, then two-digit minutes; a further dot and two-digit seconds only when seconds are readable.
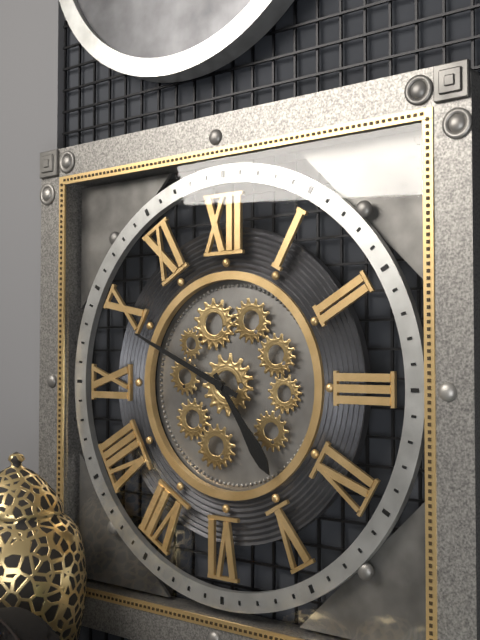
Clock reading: 4.49
